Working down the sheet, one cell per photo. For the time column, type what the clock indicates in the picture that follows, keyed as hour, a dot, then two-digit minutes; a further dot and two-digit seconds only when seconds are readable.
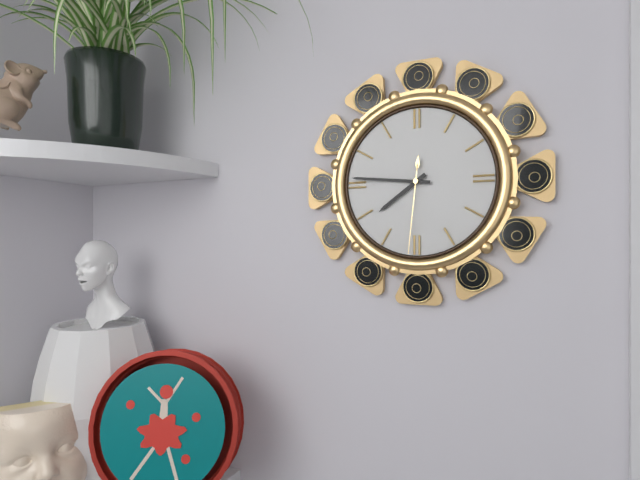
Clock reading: 7.46.31
